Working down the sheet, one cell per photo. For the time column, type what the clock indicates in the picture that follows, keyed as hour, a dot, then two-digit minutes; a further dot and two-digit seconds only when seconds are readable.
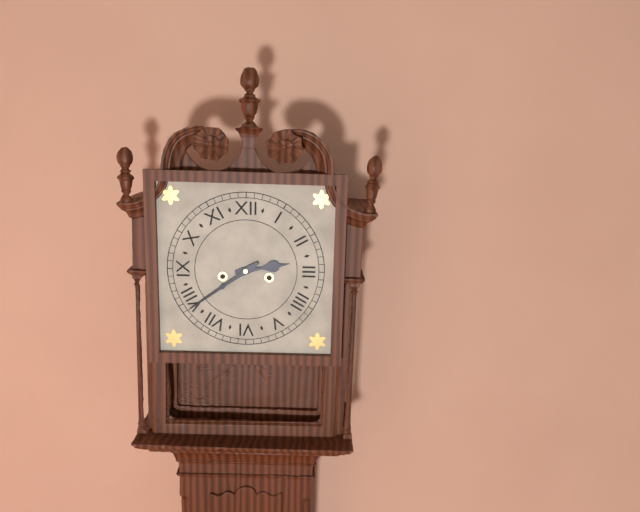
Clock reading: 2.39
